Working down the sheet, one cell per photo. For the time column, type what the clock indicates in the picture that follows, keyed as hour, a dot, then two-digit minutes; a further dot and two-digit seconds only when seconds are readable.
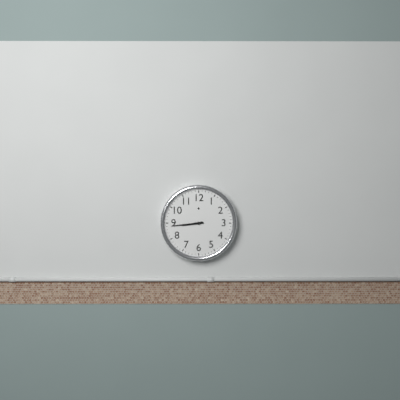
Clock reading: 8.44
